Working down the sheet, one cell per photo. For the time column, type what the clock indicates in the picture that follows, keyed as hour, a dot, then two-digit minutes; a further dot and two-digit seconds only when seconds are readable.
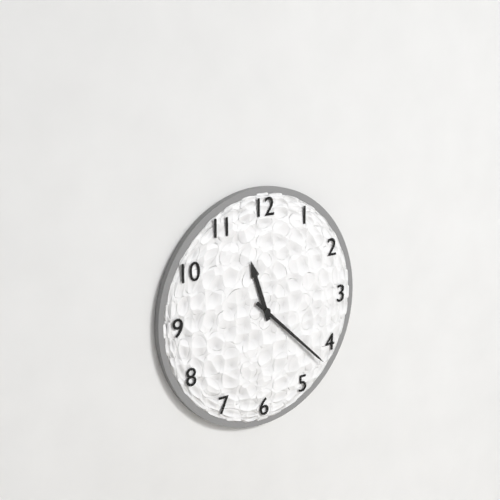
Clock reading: 11.22
